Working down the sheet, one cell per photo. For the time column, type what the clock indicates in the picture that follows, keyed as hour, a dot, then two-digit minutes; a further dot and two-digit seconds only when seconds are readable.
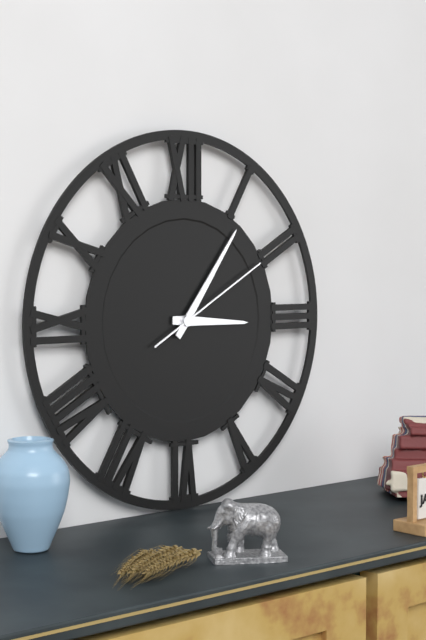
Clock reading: 3.06.10
